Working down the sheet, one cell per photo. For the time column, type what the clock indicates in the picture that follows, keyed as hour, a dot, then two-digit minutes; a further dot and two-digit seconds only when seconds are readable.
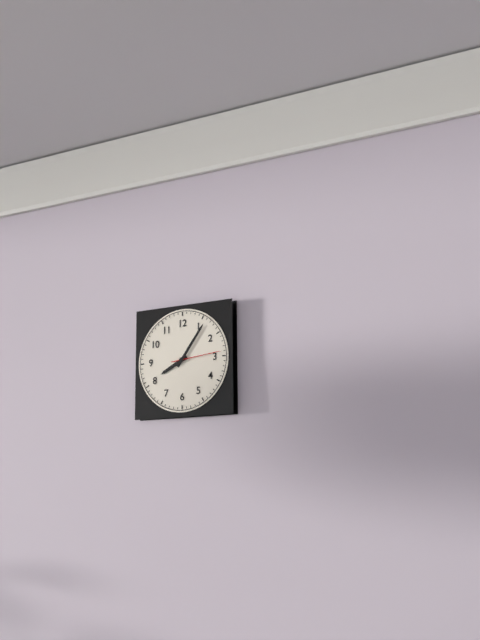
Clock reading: 8.06.14
